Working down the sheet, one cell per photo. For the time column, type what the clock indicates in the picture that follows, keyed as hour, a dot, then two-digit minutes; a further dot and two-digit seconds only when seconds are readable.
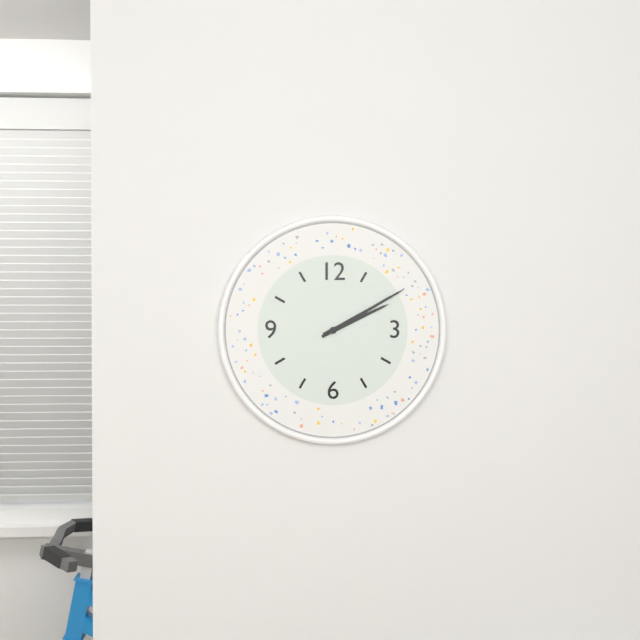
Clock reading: 2.10
